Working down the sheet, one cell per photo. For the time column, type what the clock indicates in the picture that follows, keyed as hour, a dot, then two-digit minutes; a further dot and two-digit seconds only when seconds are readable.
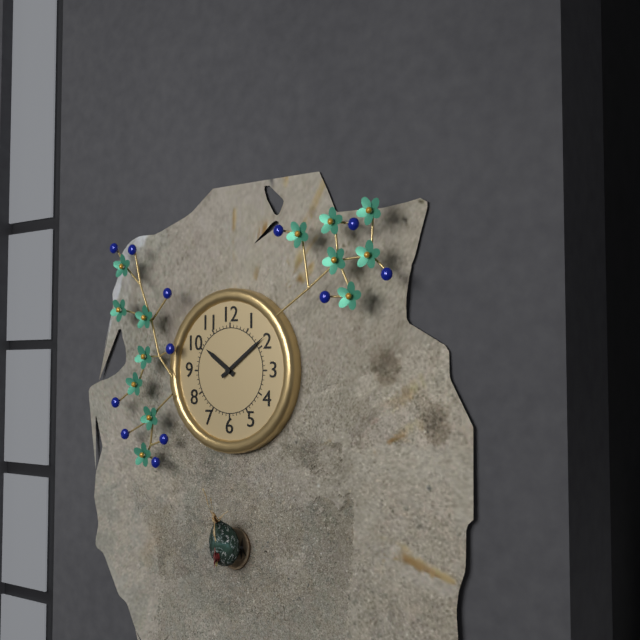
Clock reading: 10.09
